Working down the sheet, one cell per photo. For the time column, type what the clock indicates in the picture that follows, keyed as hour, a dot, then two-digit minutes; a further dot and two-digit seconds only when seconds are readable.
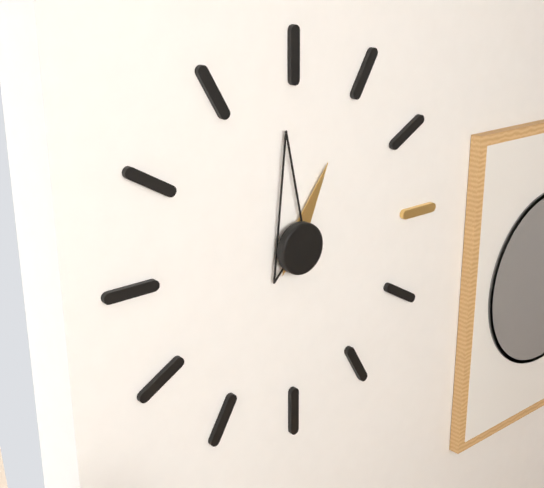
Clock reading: 12.59
